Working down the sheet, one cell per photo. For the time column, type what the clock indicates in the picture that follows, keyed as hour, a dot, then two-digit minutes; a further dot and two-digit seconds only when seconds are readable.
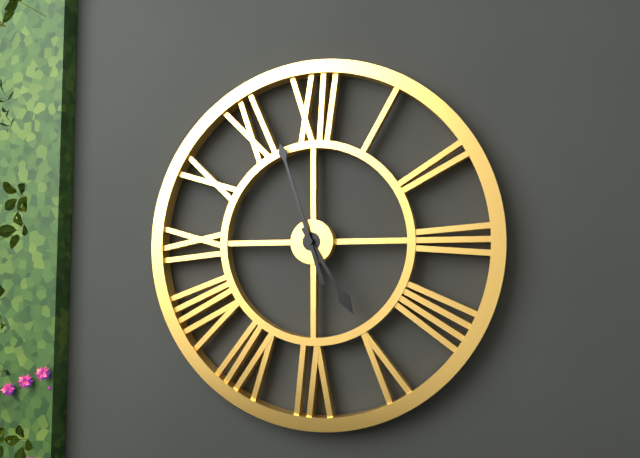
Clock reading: 4.57
